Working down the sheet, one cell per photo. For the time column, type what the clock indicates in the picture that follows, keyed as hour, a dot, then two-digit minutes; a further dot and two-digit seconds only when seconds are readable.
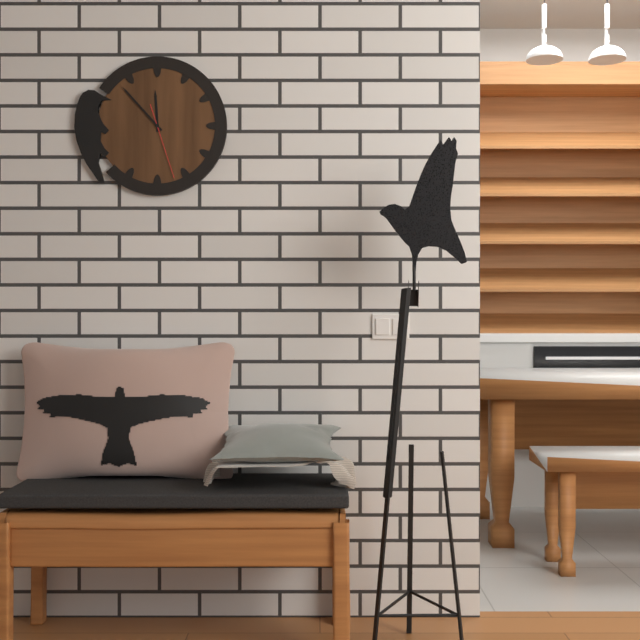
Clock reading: 11.53.27
